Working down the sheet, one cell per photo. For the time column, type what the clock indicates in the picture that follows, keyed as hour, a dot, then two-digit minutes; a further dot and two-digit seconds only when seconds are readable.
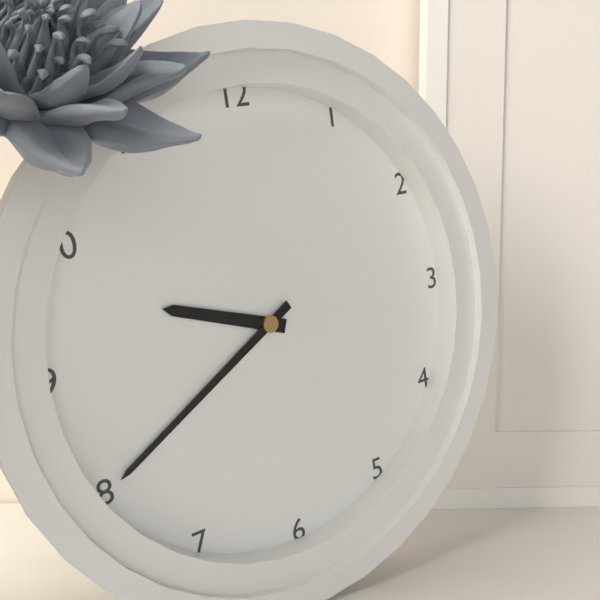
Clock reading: 9.40
